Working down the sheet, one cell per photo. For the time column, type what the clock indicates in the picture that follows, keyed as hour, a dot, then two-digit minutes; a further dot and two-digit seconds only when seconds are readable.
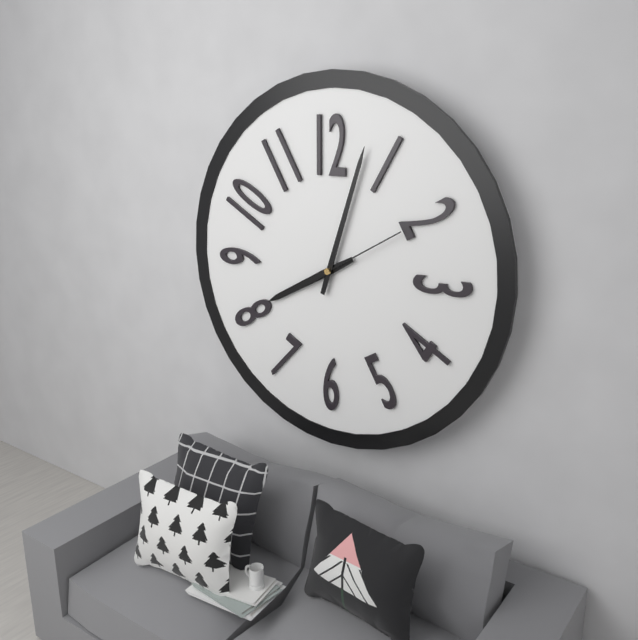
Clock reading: 8.03.10
